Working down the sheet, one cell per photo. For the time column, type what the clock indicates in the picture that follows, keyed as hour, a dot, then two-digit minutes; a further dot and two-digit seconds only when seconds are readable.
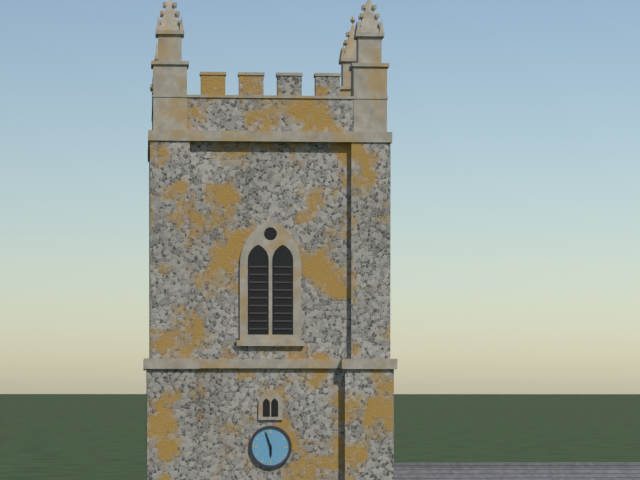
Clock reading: 5.57
